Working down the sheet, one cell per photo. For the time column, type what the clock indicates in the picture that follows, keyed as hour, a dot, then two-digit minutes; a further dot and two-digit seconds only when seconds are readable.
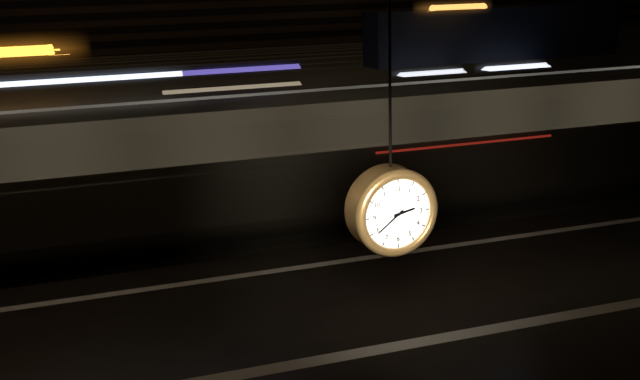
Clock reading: 2.39
